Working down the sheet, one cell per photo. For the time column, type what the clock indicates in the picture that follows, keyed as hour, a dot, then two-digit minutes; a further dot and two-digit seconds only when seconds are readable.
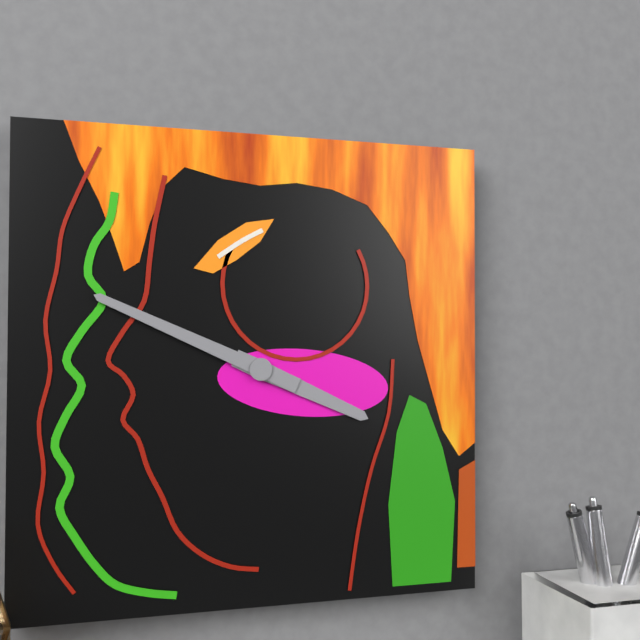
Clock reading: 3.49
